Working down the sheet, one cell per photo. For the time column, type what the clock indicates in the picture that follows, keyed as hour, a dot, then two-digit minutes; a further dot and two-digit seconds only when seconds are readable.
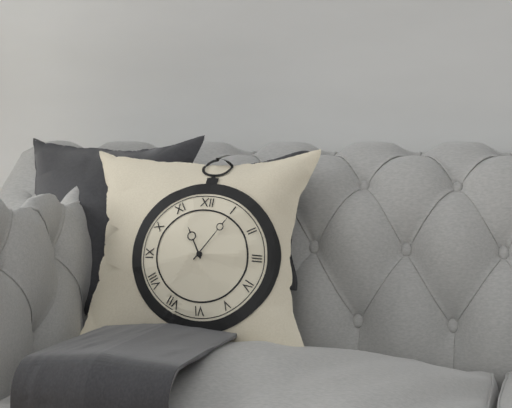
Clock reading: 11.06
